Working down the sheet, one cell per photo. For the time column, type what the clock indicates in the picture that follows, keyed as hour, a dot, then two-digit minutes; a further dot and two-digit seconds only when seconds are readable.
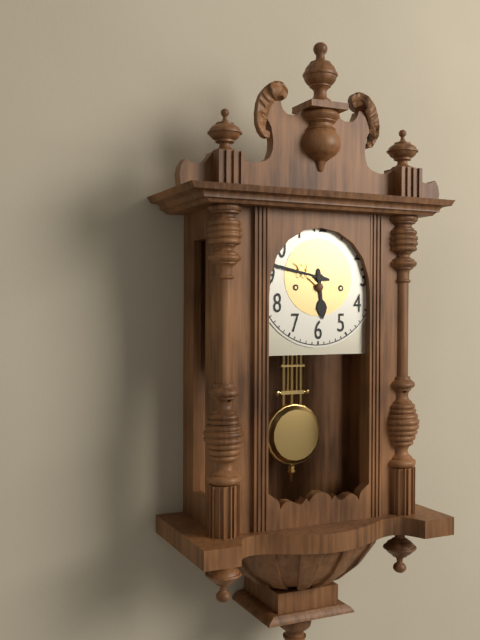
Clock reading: 5.47
